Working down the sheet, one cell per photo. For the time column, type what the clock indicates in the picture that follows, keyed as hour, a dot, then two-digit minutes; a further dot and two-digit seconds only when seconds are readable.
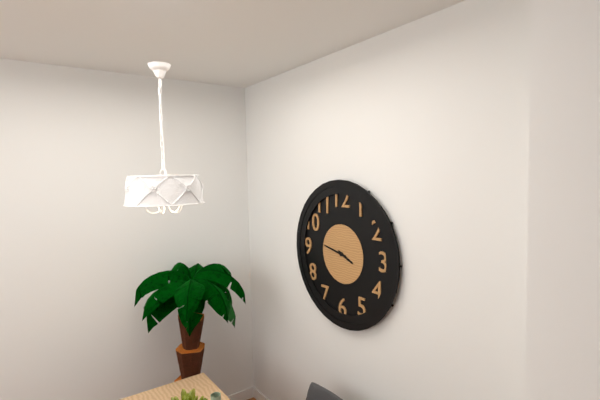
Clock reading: 3.47
